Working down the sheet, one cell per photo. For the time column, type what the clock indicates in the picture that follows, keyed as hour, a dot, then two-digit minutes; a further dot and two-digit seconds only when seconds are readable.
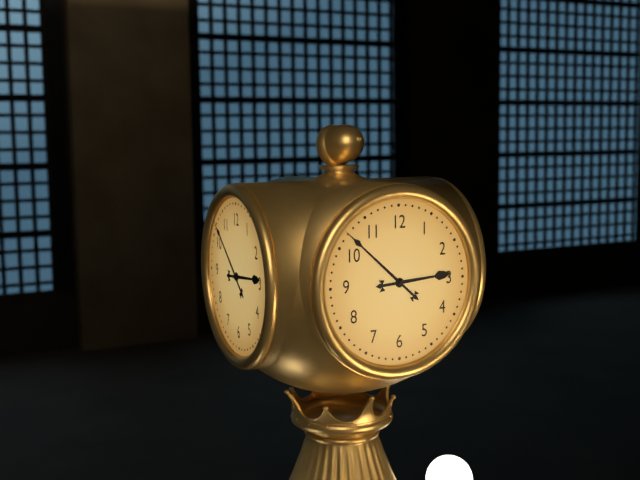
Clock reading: 2.52
